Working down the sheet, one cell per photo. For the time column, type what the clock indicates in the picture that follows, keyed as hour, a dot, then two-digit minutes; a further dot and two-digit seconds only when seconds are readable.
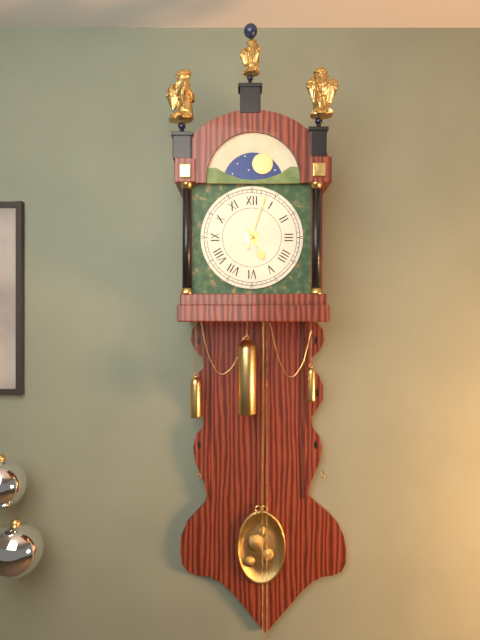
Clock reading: 5.03
